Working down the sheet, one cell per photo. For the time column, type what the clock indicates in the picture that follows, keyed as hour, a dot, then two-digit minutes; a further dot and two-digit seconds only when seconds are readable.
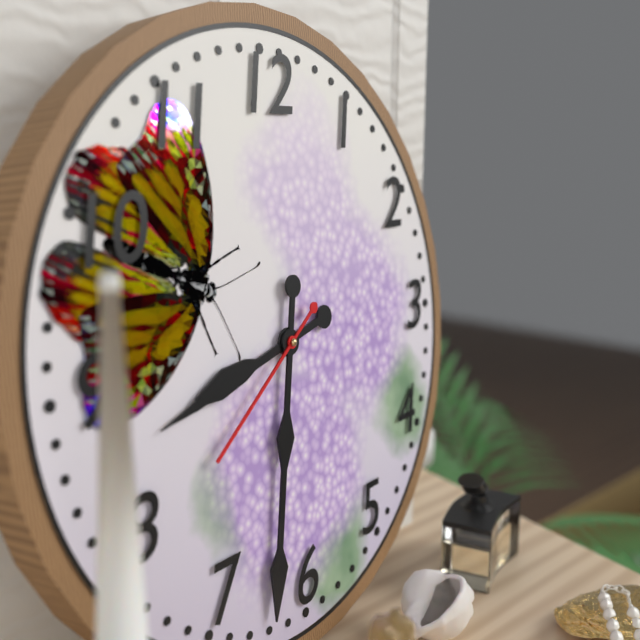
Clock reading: 8.32.39
